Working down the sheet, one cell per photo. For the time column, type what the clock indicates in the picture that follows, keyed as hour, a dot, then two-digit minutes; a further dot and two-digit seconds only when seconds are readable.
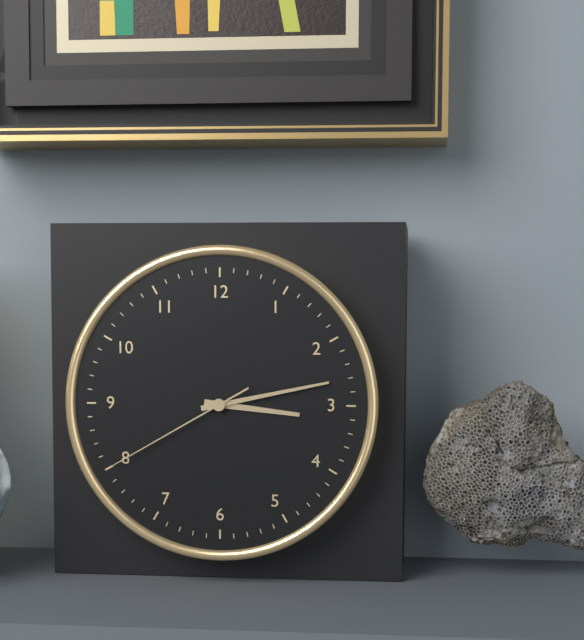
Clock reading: 3.13.40
